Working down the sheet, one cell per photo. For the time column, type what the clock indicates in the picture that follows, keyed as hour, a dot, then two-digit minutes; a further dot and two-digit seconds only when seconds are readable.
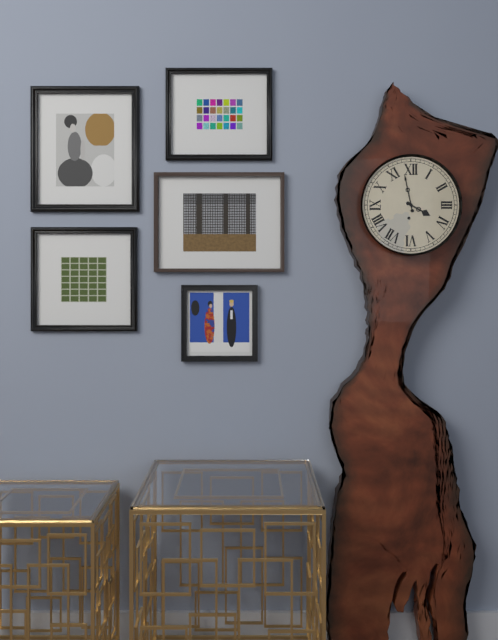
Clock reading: 3.58
